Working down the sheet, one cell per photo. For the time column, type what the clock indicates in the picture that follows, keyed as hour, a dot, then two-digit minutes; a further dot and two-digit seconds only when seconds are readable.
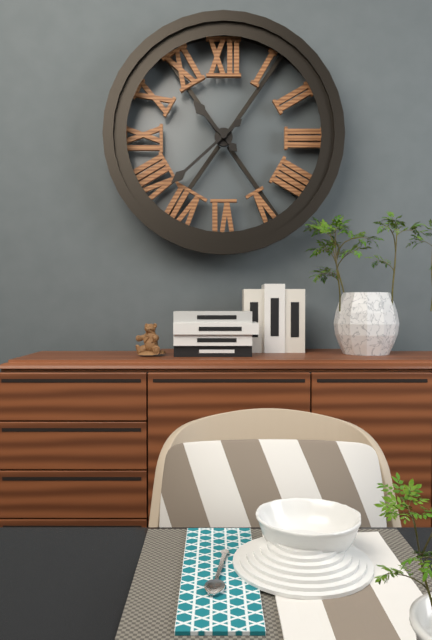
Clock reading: 10.38
